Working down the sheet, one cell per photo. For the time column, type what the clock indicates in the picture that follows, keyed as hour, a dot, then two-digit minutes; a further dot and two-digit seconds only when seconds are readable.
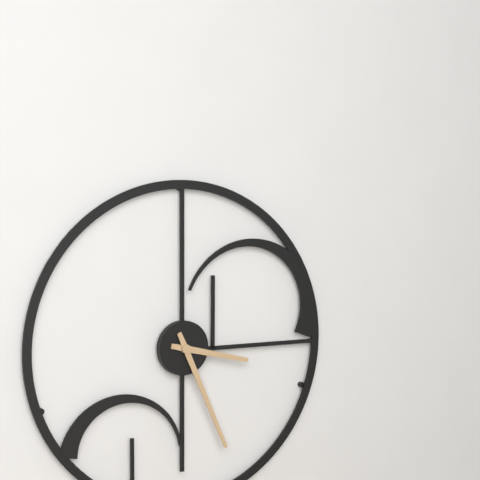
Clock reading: 3.26
